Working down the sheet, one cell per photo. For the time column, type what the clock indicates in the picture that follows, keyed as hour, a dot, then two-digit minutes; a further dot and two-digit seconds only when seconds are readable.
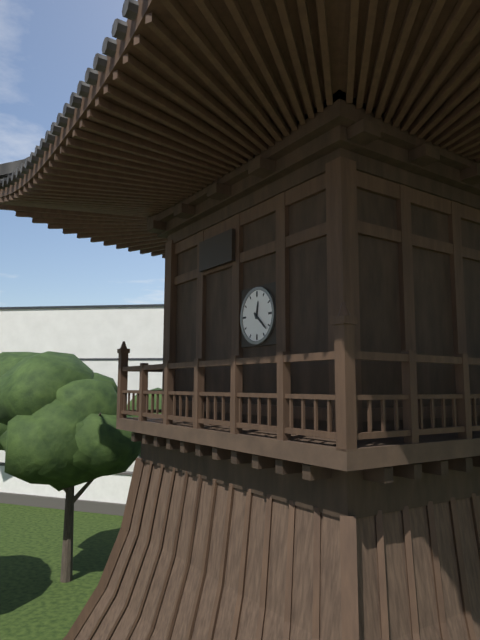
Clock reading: 12.22
